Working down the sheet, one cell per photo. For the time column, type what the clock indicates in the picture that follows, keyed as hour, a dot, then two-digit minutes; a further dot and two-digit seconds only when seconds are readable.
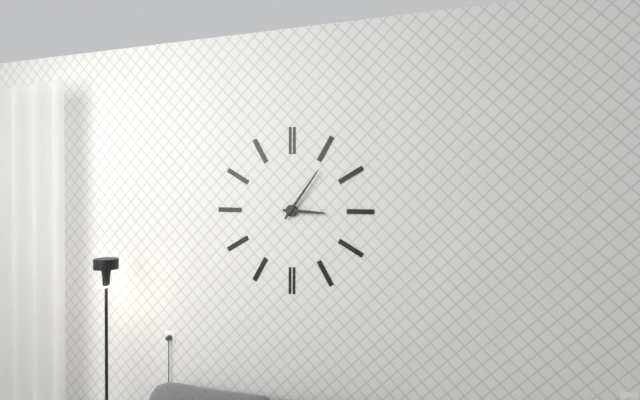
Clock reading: 3.06
